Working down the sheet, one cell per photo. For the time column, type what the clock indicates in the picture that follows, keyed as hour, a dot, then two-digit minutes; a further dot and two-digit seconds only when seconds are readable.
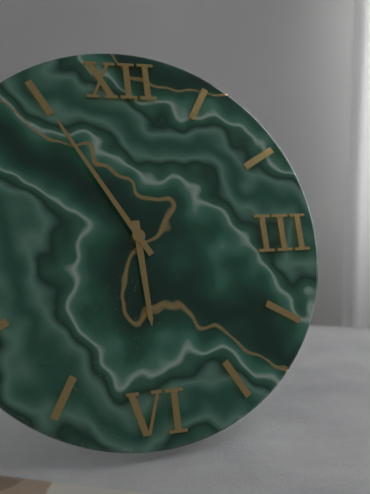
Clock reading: 5.55
